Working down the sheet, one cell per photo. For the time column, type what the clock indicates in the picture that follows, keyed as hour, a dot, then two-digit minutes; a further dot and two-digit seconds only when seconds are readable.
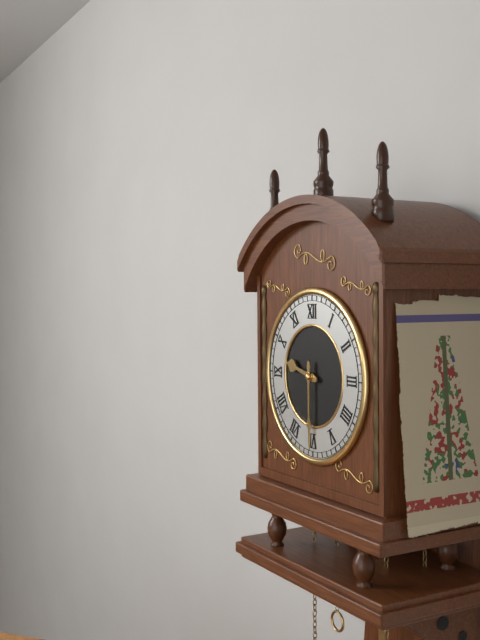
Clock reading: 9.30
